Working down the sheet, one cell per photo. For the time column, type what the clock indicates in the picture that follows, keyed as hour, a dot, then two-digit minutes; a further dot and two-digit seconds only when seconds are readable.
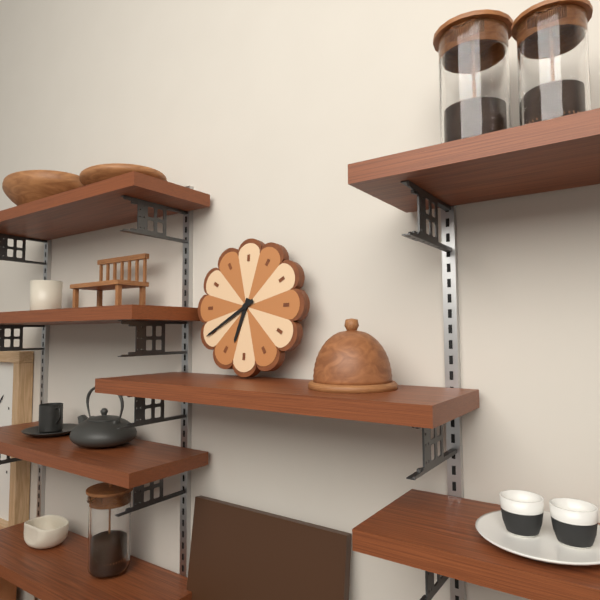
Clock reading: 6.40
